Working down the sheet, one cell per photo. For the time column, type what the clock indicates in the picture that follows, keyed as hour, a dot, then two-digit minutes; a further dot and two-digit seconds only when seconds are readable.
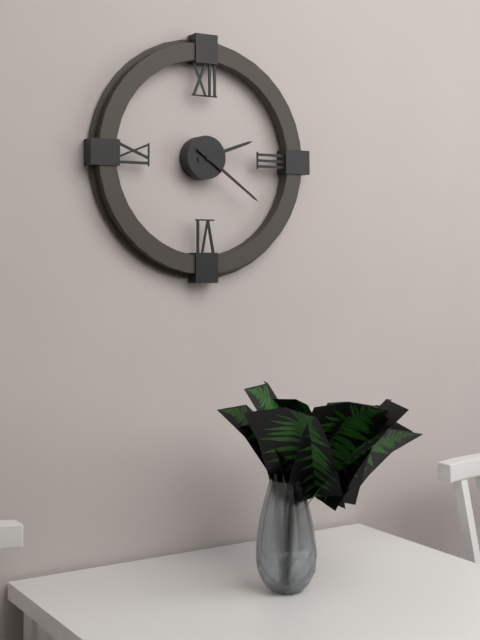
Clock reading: 2.21
